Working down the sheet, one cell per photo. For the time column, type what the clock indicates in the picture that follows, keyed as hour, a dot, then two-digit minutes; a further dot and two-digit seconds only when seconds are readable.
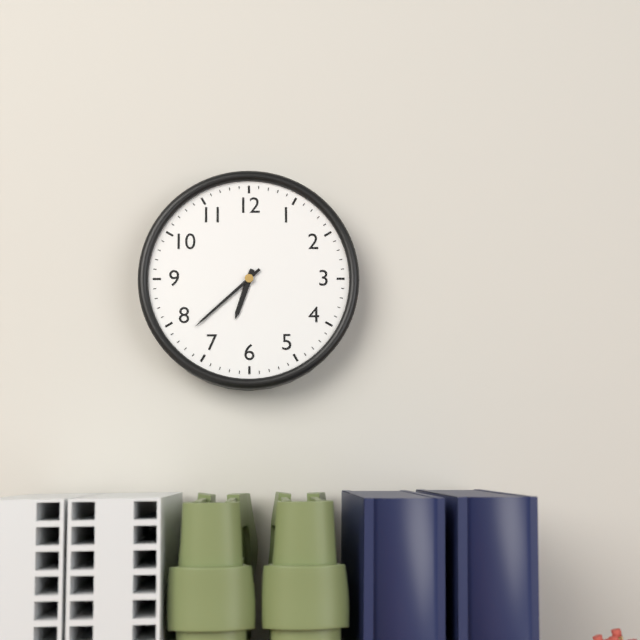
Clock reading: 6.38
